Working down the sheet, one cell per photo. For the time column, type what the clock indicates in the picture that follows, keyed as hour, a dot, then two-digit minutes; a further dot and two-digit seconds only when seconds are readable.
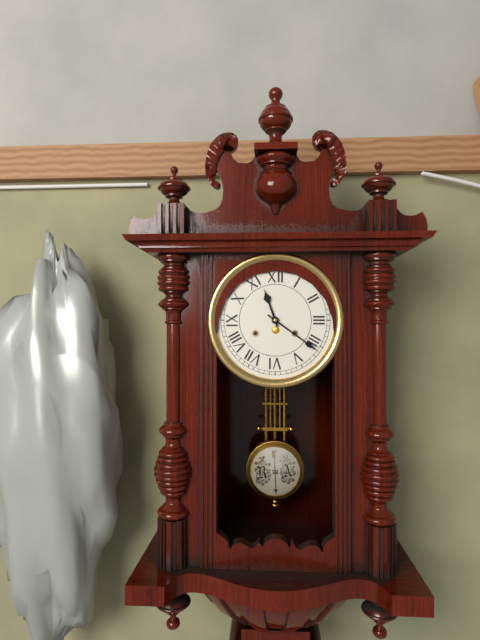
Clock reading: 11.21
